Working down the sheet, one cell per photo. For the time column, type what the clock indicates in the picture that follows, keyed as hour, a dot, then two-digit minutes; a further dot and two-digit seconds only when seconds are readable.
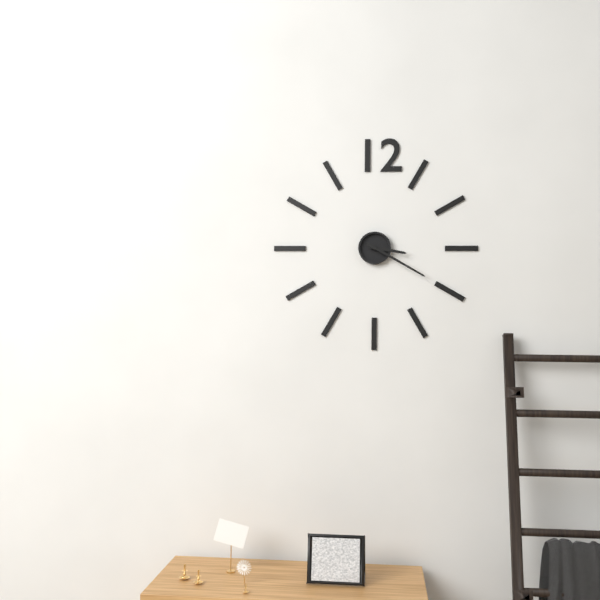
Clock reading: 3.20
